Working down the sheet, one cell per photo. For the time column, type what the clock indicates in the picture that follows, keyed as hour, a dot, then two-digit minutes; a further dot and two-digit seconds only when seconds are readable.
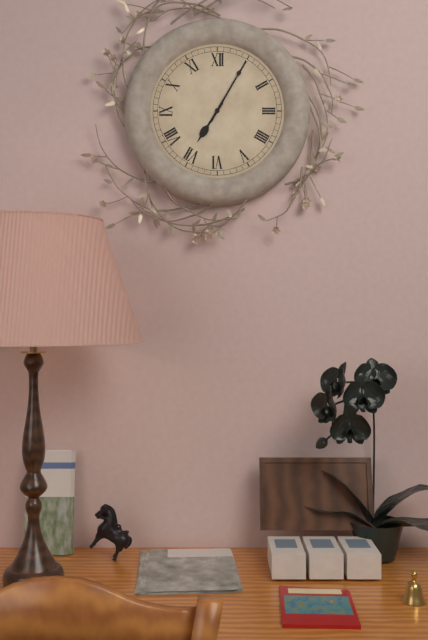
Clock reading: 7.05
